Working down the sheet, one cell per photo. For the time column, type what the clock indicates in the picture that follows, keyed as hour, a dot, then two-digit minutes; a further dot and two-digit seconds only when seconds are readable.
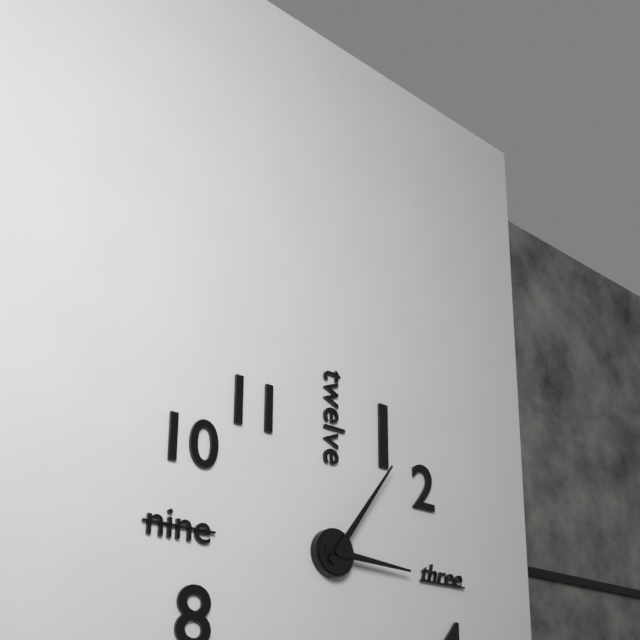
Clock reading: 3.06
